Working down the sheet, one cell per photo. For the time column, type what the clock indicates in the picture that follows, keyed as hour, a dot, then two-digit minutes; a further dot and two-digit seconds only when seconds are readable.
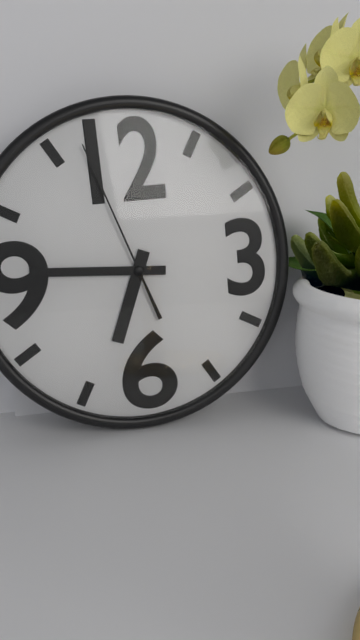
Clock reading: 6.46.57
